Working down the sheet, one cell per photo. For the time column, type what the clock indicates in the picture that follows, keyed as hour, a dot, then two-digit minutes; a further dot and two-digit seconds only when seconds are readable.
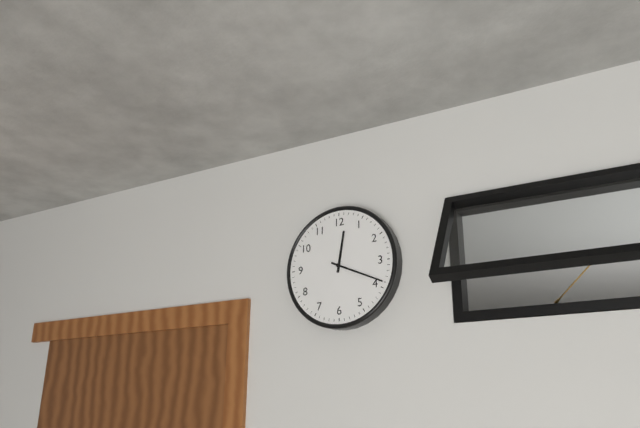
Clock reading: 12.19
